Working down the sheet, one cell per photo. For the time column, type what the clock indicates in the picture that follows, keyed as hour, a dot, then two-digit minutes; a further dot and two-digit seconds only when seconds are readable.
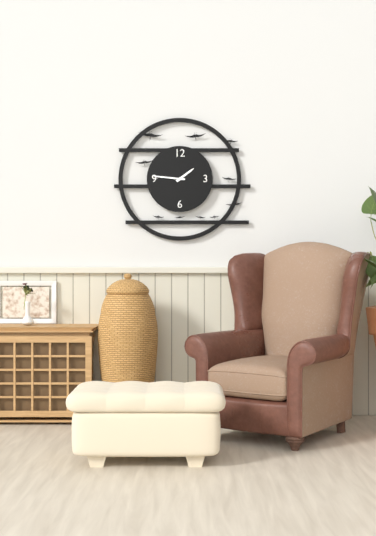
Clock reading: 1.46
